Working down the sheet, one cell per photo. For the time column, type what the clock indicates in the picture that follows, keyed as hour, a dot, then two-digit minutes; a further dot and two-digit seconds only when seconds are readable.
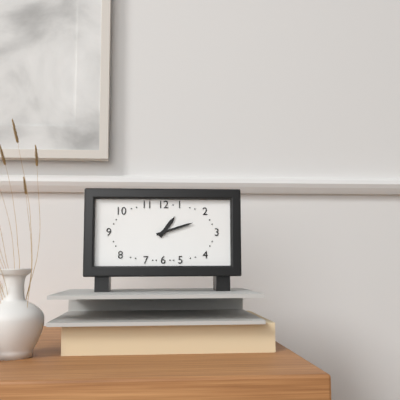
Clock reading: 1.12
